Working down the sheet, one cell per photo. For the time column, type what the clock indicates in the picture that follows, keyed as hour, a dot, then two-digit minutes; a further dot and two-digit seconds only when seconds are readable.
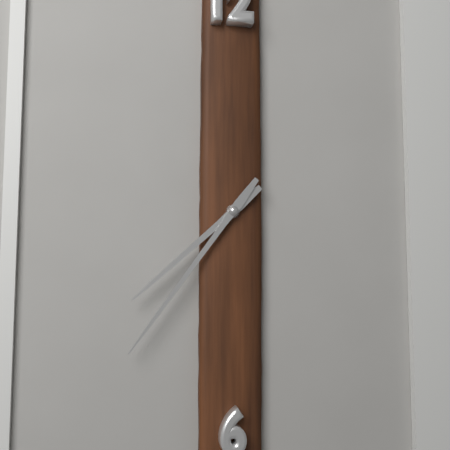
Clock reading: 7.36
